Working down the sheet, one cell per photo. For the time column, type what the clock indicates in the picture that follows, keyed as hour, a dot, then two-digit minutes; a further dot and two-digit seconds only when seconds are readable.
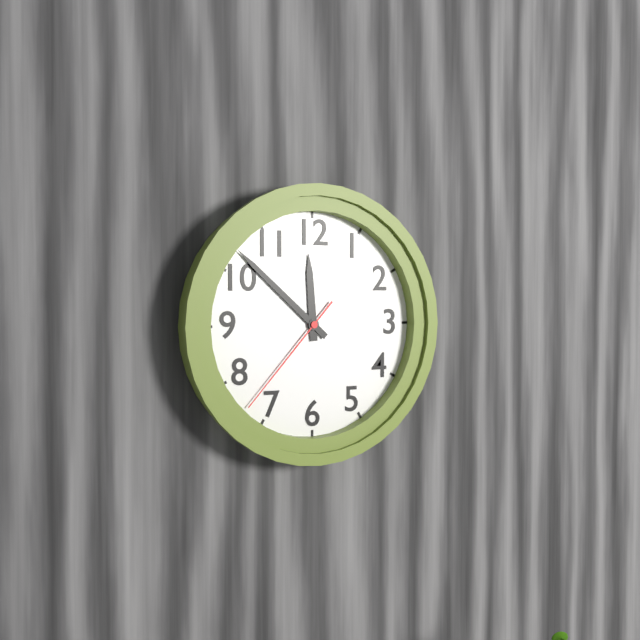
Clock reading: 11.52.37
